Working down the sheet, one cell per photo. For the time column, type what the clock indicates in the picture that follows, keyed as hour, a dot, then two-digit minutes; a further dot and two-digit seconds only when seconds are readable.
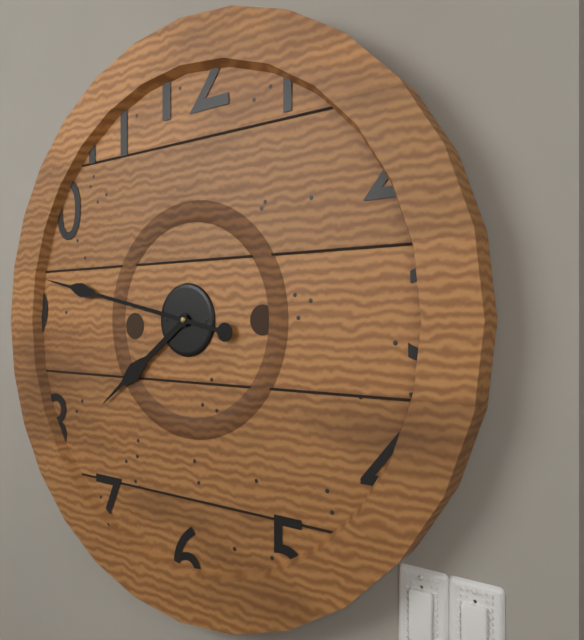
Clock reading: 7.47
